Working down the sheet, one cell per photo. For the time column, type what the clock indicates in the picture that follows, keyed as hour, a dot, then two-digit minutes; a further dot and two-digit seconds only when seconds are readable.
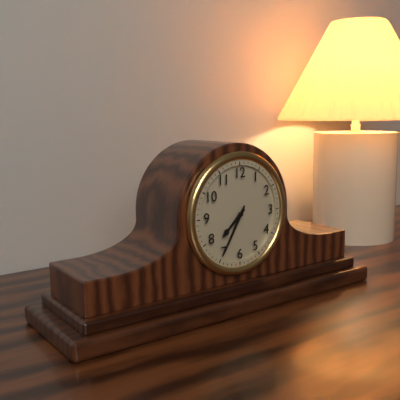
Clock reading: 7.35
